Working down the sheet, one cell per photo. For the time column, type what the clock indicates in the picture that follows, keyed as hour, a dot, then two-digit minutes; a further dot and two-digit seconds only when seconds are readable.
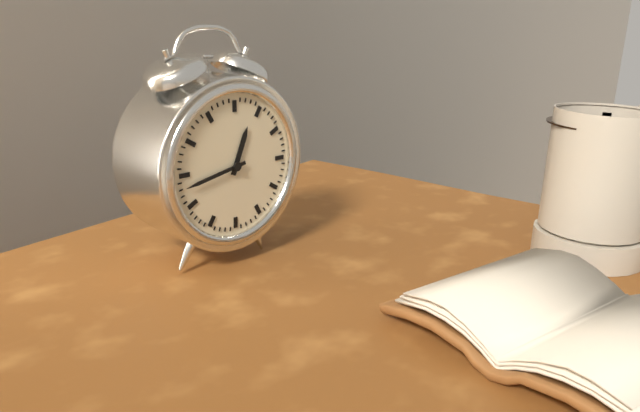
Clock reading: 12.43
